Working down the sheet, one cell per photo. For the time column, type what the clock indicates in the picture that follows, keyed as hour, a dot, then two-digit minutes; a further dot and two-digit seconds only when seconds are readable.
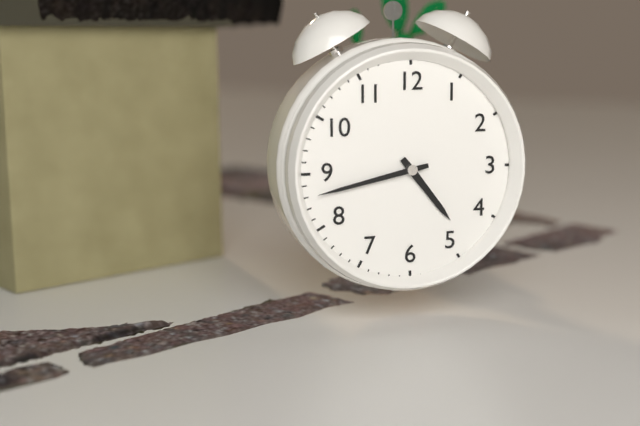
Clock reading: 4.43
